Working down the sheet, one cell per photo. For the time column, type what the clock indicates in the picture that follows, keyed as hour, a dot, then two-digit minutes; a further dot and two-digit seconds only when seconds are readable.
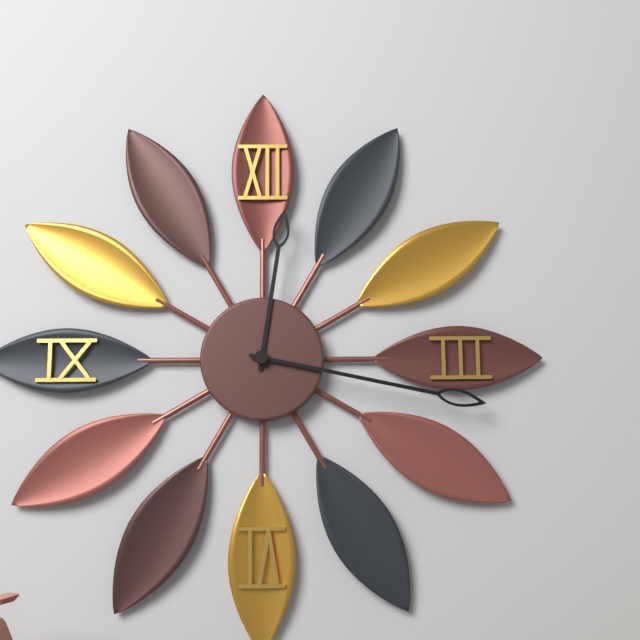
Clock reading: 12.17
